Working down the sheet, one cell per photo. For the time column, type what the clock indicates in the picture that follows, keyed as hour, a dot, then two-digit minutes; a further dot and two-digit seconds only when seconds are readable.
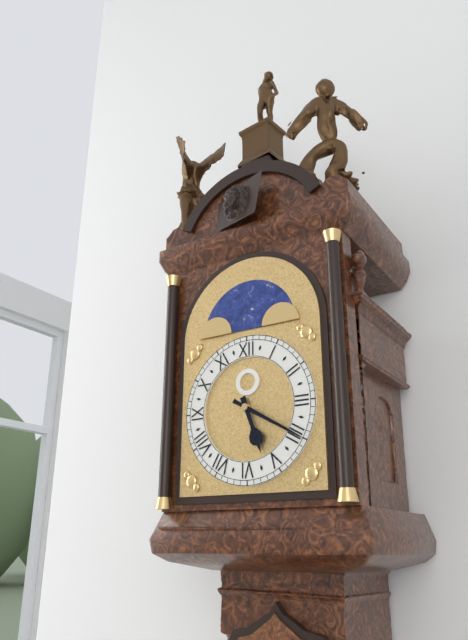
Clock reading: 5.20
